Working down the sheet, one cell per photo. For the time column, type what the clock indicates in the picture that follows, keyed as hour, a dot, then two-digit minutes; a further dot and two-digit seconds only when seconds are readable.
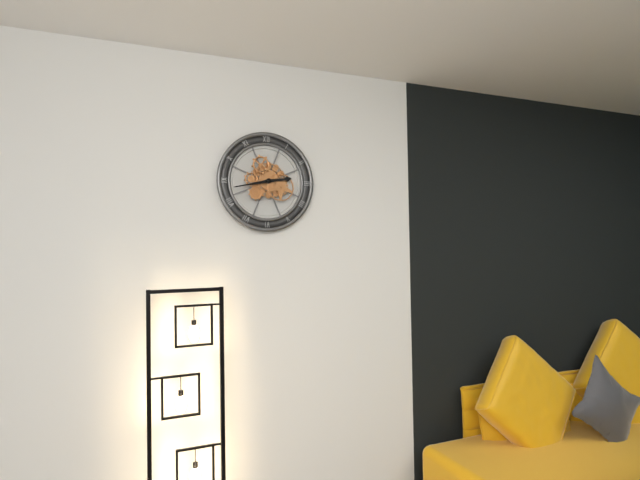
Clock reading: 2.43
